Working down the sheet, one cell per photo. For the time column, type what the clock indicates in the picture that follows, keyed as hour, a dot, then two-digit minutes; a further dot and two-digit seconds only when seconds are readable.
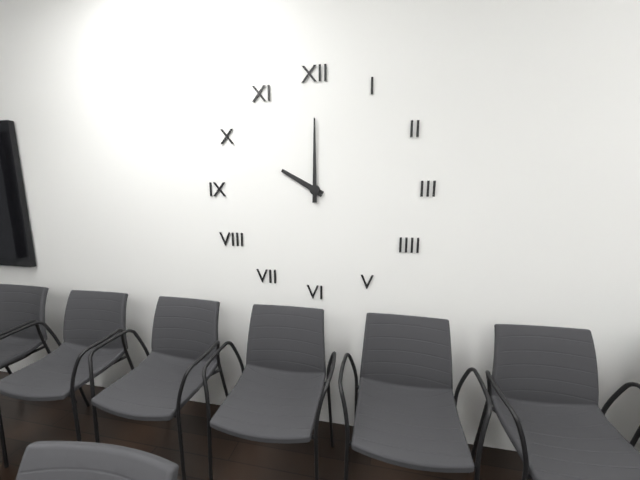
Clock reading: 10.00
